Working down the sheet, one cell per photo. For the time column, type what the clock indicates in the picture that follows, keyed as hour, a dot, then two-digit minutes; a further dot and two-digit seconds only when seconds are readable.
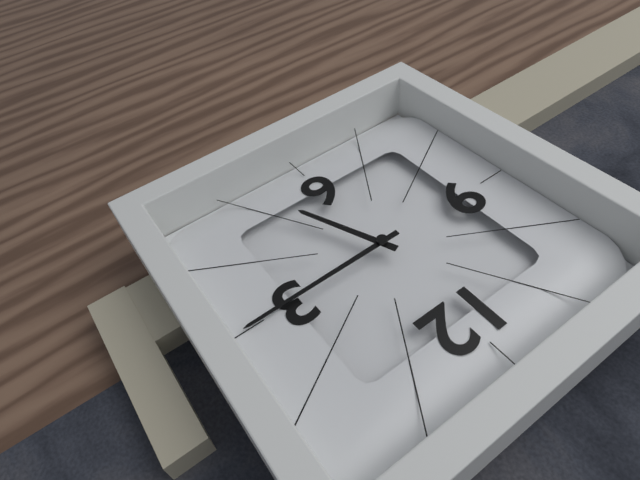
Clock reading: 5.15
